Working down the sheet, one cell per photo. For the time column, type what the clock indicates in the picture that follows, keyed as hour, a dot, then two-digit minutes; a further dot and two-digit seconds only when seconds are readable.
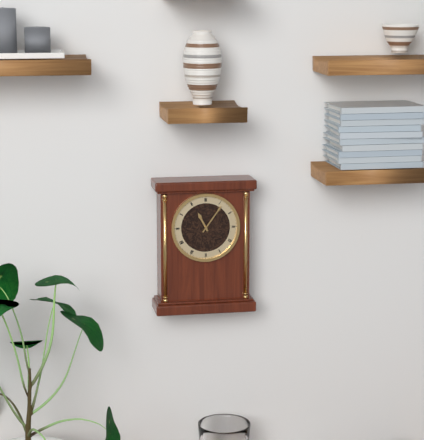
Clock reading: 11.06
